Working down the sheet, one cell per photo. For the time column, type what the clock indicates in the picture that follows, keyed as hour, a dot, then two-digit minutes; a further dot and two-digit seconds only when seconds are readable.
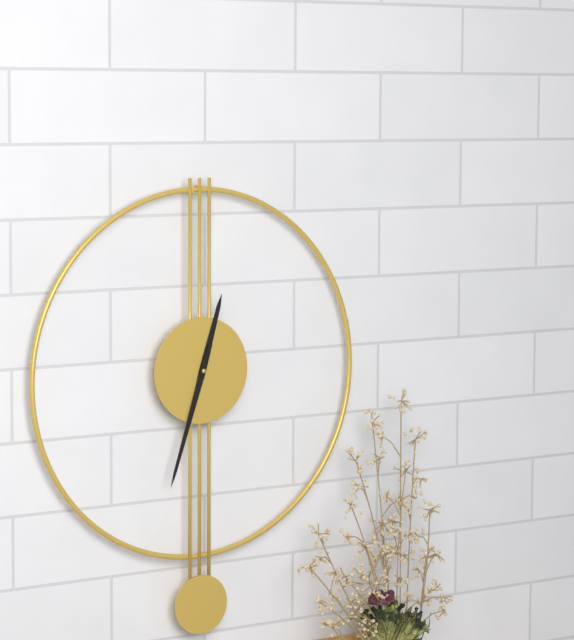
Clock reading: 12.33
